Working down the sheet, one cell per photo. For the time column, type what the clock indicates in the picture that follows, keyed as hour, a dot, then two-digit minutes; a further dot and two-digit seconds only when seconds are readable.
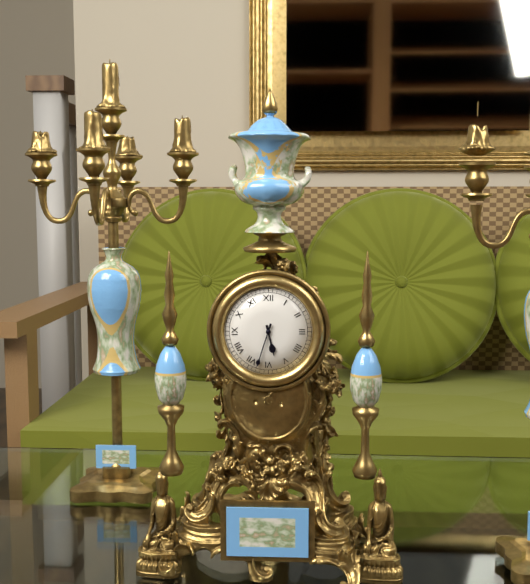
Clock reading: 5.33
